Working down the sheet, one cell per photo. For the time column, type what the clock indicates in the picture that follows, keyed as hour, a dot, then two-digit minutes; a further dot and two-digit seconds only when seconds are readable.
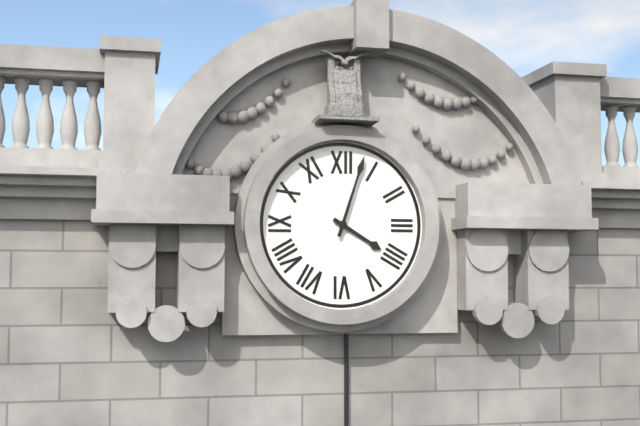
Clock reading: 4.03
